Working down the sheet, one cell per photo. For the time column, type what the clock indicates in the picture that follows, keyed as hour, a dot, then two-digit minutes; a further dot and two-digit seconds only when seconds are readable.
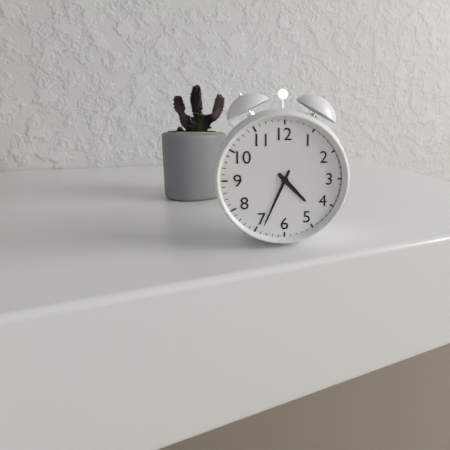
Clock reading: 4.34
